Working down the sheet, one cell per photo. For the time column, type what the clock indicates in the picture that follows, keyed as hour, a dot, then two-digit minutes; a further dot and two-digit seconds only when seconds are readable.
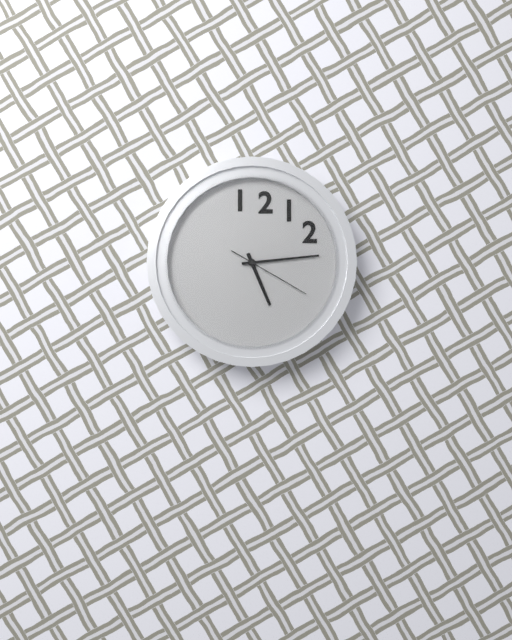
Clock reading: 5.14.20
